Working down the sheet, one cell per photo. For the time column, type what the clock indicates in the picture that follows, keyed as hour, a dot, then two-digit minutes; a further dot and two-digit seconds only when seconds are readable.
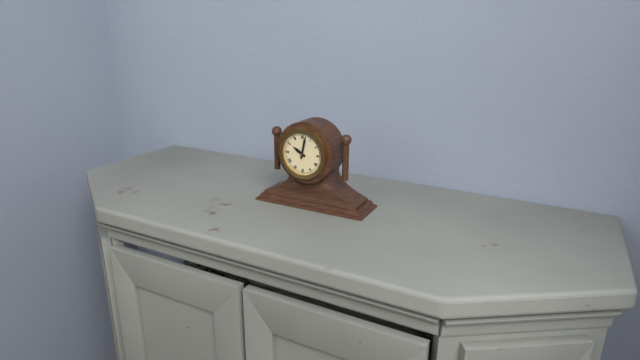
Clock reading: 10.02
